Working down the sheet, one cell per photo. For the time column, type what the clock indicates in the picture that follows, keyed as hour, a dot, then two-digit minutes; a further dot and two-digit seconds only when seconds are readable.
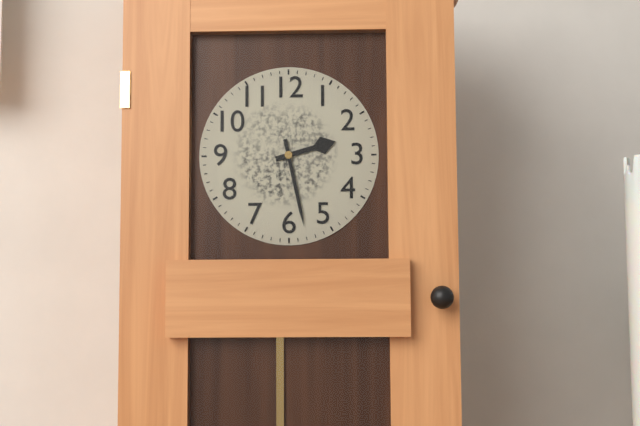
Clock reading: 2.28
